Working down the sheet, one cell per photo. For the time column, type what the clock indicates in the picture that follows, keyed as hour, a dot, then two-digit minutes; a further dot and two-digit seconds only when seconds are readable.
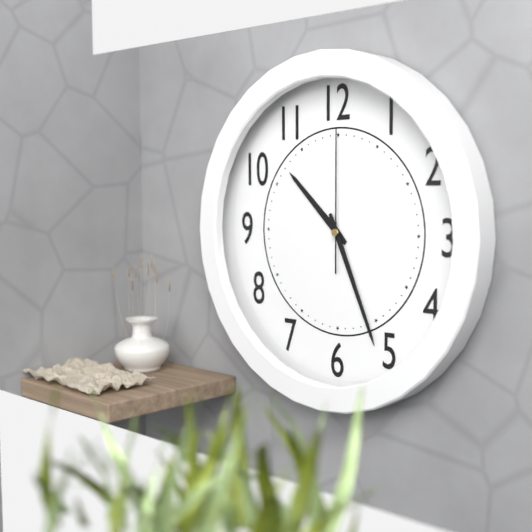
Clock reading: 10.26.00
